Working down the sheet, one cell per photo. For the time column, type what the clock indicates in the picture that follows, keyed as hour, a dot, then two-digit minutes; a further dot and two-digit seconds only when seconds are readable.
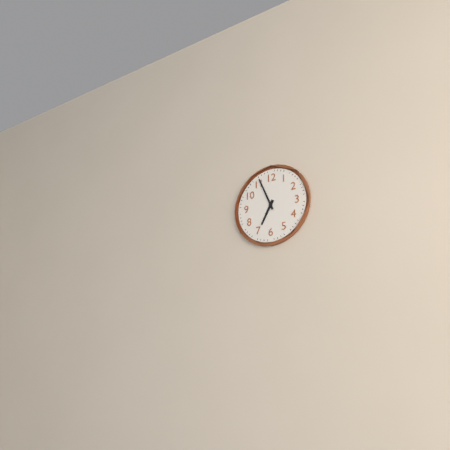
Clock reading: 6.56
